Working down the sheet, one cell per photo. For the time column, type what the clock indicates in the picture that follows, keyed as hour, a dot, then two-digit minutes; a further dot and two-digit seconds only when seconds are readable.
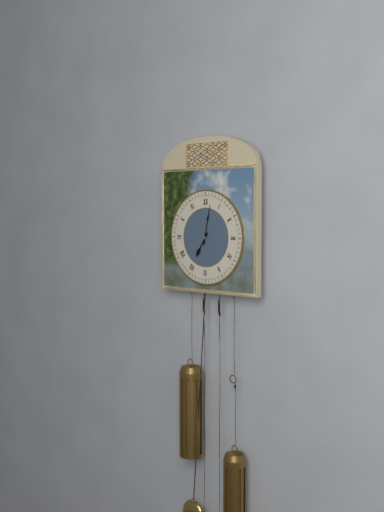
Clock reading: 7.02
